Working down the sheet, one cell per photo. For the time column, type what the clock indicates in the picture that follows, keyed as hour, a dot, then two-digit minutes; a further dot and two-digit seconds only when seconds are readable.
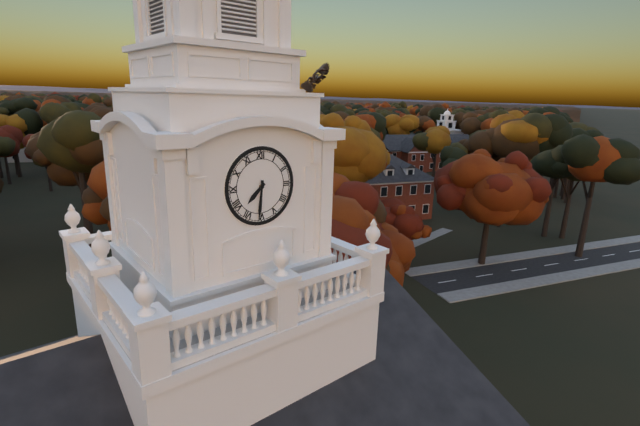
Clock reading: 7.31
